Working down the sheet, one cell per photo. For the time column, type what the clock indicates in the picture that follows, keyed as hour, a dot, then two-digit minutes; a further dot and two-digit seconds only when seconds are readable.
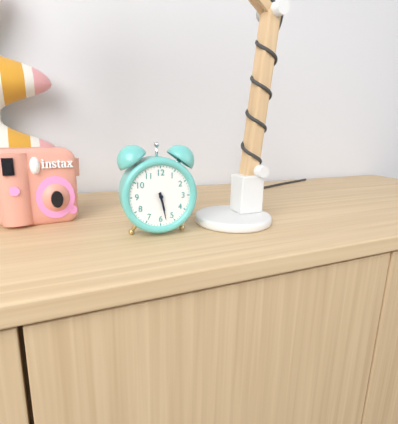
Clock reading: 5.28
